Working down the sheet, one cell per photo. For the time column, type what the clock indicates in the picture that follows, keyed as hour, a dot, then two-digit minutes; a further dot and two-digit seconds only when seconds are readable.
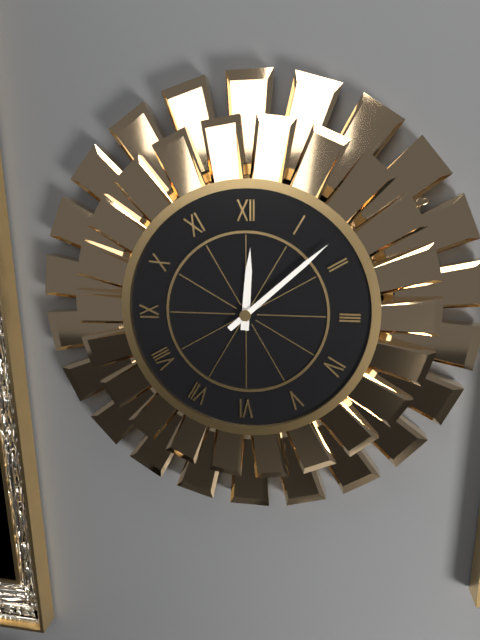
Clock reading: 12.08
